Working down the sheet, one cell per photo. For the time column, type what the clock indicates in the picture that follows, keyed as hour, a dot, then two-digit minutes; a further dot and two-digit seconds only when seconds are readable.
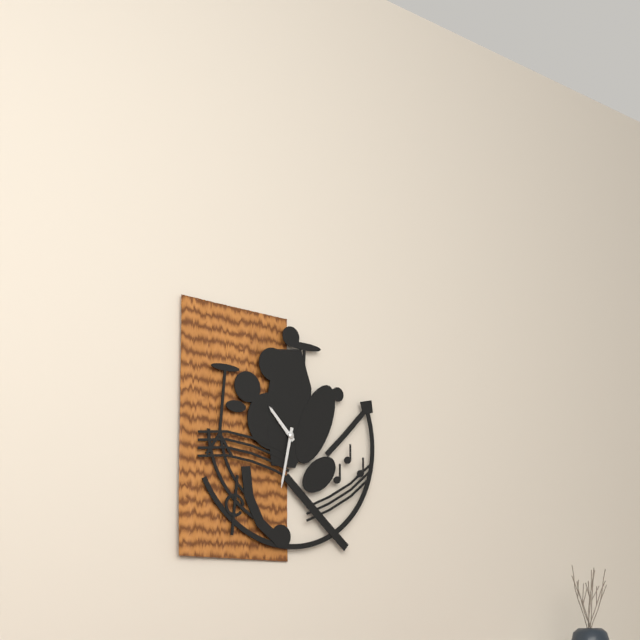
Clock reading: 10.32
